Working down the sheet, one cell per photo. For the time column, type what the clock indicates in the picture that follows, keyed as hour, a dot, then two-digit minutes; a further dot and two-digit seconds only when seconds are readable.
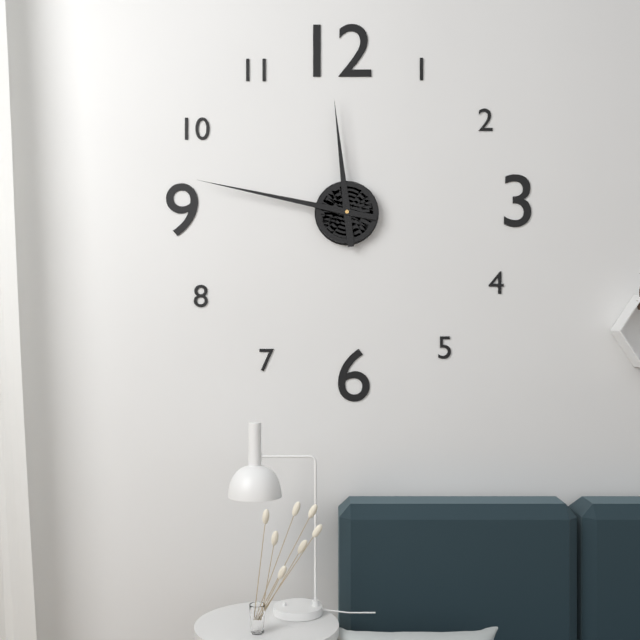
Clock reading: 11.47
